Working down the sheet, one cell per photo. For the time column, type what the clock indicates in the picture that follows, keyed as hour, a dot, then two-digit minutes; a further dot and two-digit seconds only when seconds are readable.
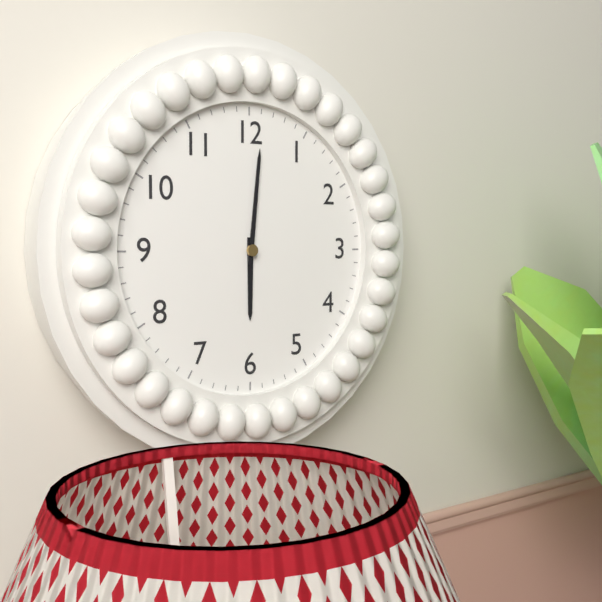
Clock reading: 6.01
